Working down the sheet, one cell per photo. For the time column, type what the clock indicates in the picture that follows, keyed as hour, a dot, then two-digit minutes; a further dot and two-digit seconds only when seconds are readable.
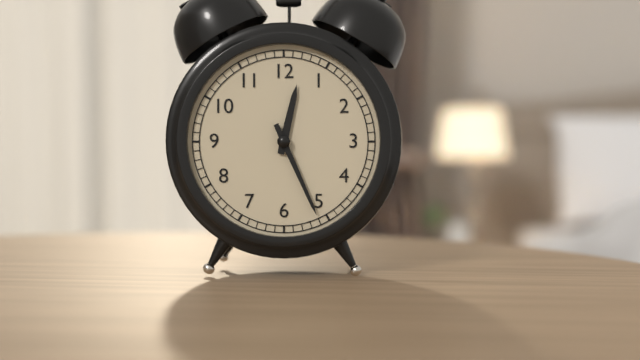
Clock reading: 12.26
